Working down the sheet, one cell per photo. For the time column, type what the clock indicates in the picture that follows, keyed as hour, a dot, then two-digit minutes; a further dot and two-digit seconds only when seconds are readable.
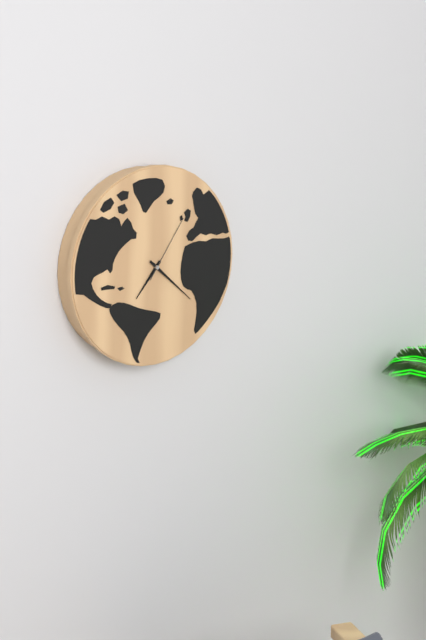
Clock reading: 7.22.06
